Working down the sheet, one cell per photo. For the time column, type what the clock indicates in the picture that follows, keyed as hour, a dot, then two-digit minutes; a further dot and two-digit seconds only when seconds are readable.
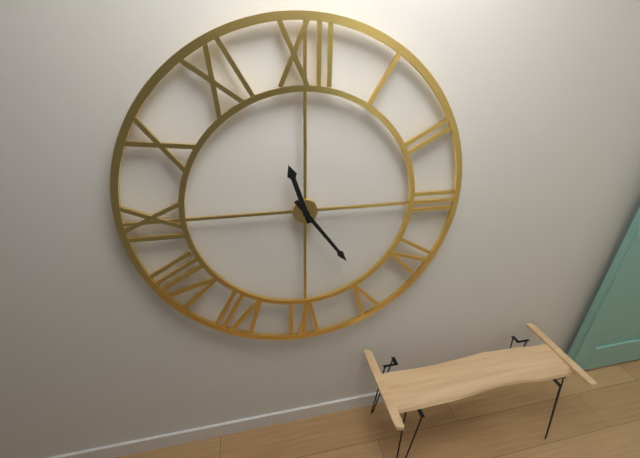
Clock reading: 11.24
